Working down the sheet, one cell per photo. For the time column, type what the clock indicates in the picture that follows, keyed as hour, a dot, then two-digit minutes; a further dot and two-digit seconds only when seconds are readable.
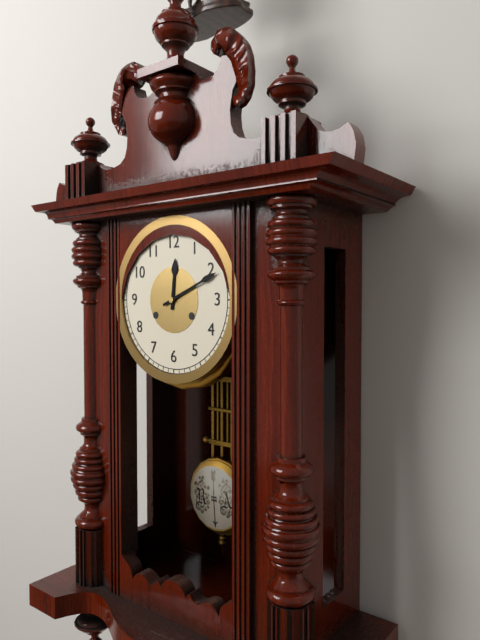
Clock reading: 12.11
